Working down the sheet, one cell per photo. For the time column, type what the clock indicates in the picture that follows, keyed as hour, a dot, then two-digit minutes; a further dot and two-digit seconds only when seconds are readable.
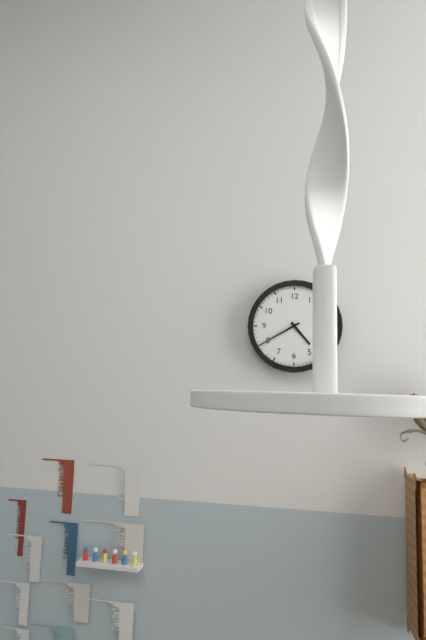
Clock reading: 4.40
